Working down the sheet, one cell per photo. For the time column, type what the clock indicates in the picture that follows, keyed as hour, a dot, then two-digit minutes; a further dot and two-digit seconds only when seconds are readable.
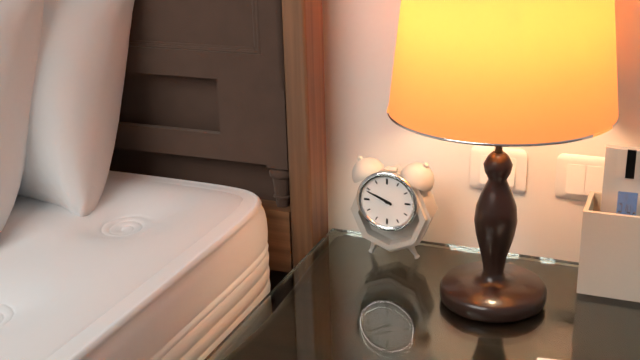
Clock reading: 9.49
